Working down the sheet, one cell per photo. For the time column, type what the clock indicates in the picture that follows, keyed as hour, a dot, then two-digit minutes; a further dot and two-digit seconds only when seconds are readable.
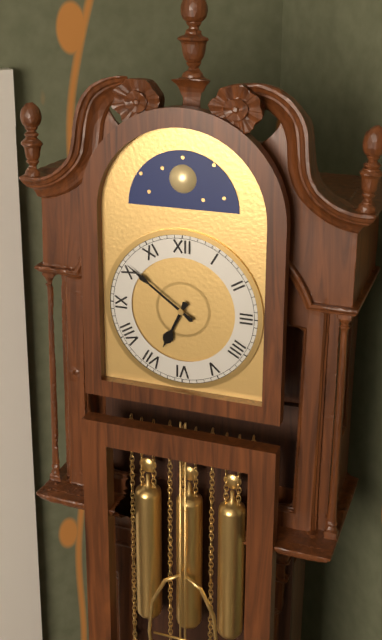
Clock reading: 6.51
